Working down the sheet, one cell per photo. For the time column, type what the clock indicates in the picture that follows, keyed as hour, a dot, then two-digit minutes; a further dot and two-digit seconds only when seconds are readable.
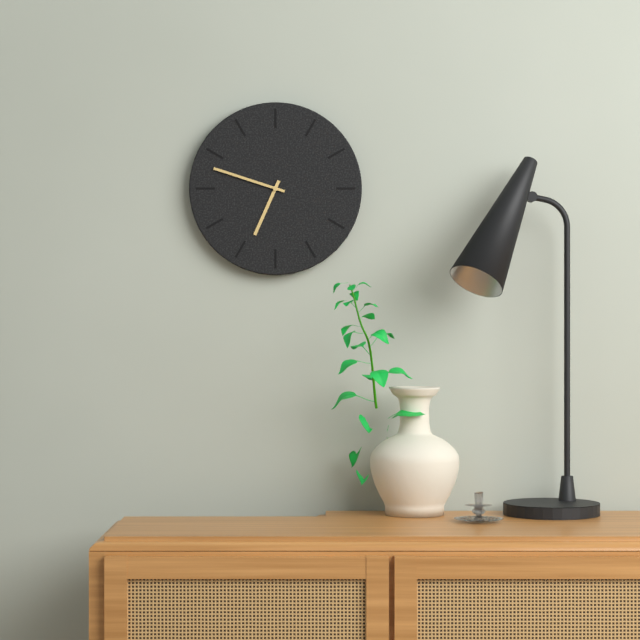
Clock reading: 6.48
